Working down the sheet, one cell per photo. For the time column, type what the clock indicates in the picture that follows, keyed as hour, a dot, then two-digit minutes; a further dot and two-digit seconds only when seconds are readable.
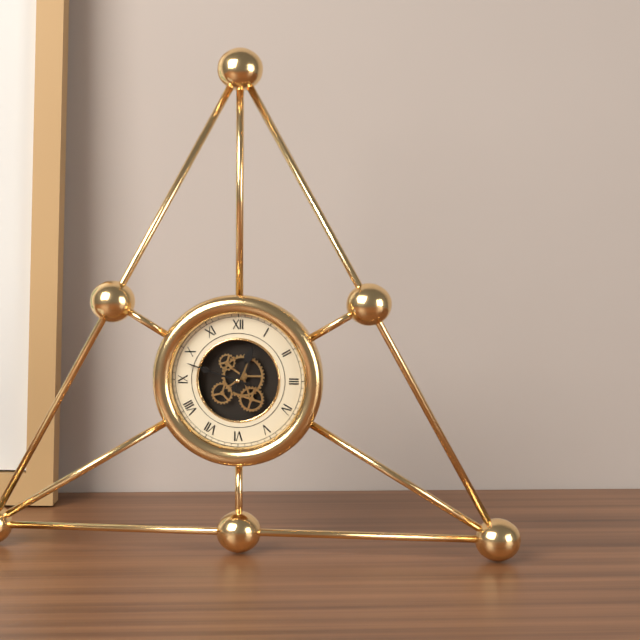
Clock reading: 12.48
